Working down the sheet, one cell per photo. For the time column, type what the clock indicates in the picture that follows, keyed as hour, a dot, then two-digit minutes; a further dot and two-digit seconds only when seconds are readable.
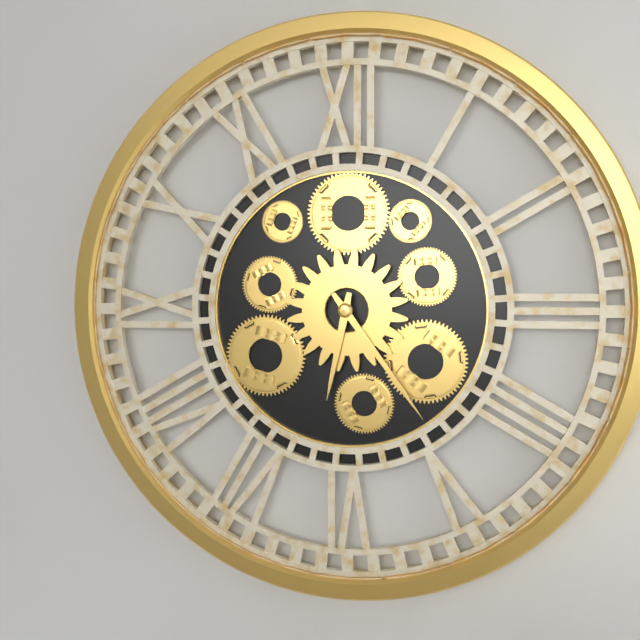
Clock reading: 6.24
